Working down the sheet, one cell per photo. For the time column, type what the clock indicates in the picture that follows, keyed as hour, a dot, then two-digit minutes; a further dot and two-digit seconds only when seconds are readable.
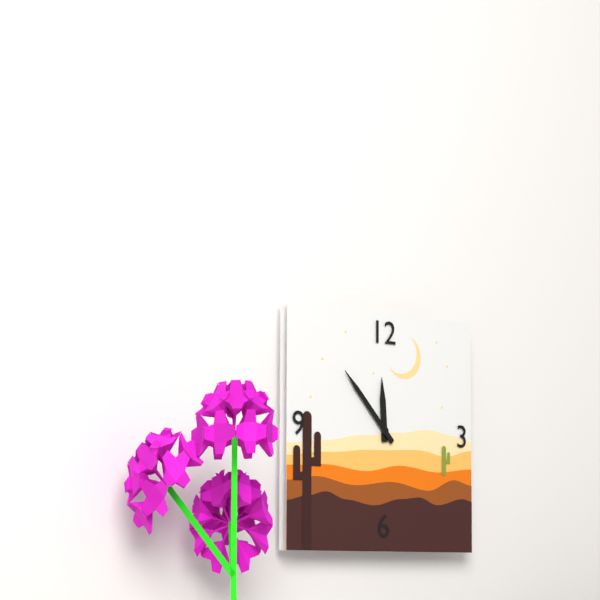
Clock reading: 11.53
